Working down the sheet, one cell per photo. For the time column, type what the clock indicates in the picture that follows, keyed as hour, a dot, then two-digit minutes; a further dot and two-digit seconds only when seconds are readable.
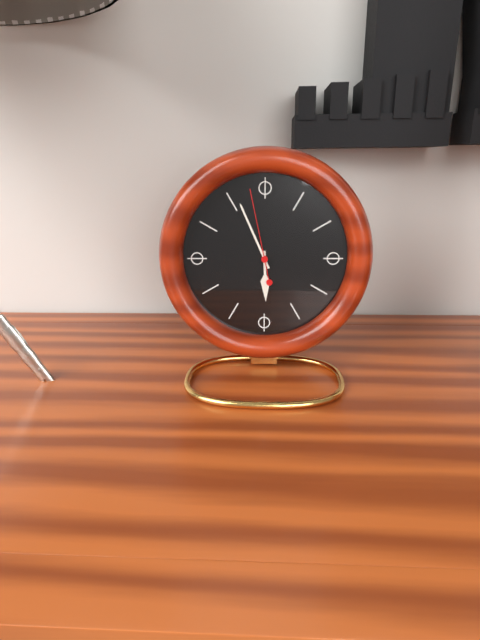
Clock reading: 5.56.58
